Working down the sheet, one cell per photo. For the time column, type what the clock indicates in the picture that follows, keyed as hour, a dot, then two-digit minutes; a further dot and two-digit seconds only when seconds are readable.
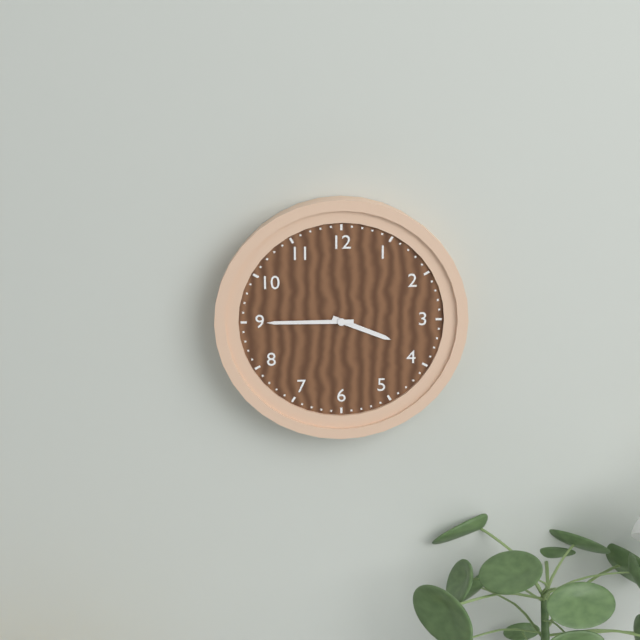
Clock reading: 3.45
